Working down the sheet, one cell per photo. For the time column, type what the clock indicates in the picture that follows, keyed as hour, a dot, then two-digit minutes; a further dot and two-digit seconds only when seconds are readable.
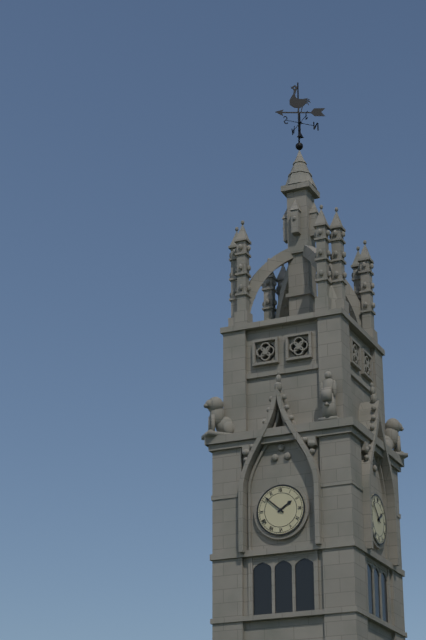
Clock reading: 1.52
